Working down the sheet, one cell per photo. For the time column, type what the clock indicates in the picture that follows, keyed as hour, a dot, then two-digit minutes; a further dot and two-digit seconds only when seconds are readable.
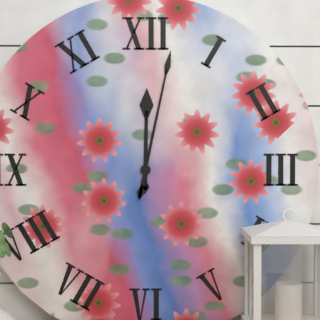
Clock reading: 12.02
